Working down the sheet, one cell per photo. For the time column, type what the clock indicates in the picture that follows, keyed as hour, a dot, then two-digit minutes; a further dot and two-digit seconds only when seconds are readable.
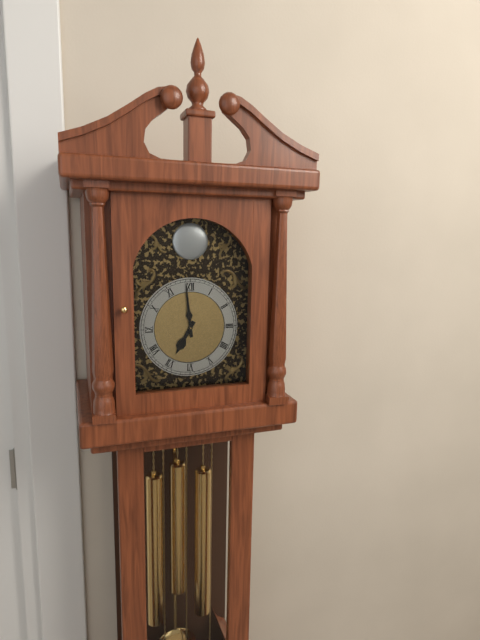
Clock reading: 6.59
